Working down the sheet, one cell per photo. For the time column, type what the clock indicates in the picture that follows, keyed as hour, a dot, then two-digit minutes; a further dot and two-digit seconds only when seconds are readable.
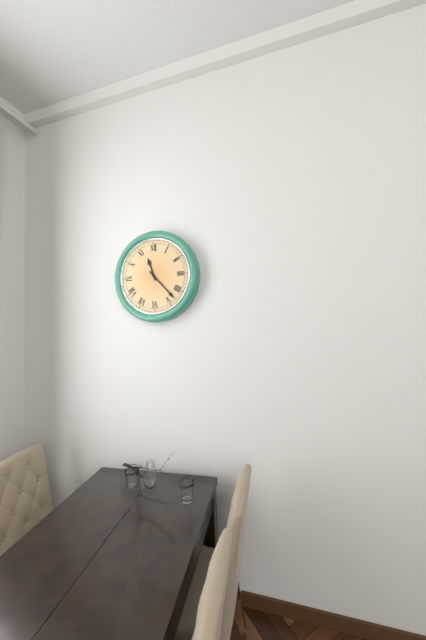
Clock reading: 11.23
